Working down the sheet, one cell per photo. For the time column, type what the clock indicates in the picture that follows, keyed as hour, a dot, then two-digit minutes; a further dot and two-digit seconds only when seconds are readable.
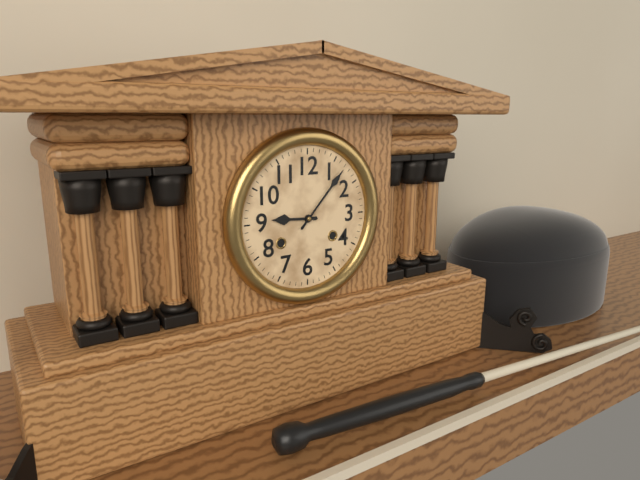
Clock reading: 9.07
